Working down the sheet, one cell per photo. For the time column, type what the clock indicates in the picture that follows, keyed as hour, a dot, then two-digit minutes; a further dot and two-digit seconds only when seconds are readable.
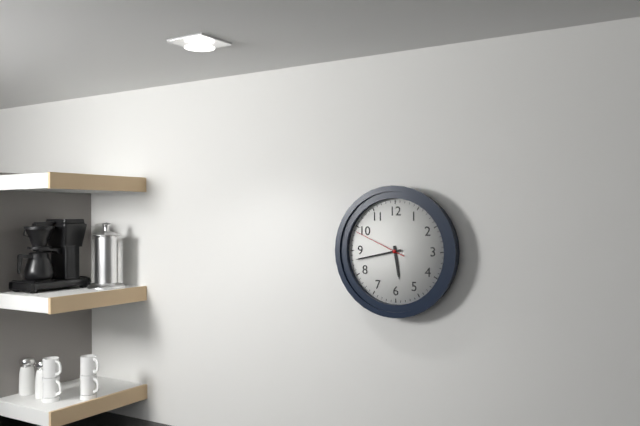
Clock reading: 5.43.49
